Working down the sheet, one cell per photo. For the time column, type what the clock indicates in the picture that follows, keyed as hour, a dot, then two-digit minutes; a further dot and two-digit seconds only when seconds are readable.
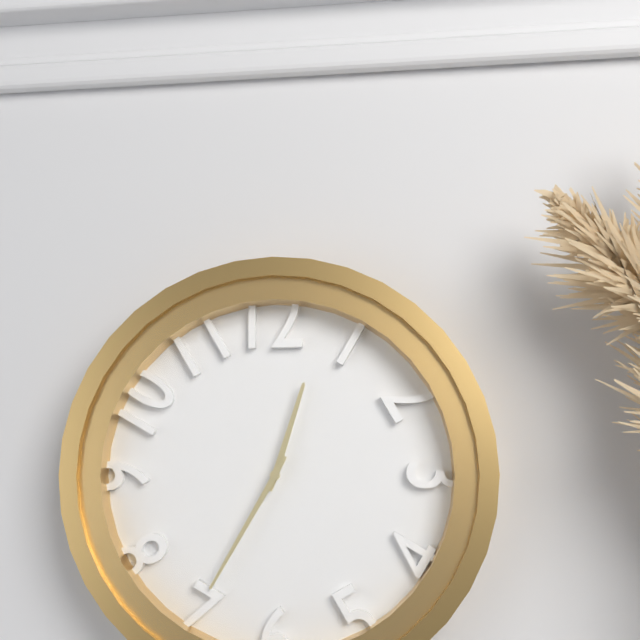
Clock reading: 12.35
